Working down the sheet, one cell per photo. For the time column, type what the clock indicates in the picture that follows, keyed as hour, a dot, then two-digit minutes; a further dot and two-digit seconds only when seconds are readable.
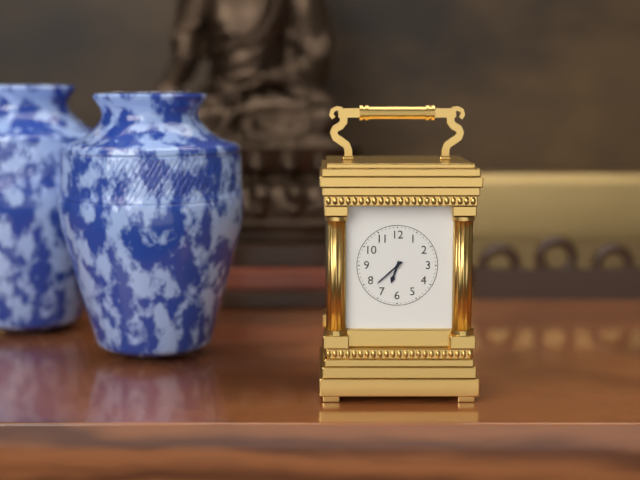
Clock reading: 6.38
